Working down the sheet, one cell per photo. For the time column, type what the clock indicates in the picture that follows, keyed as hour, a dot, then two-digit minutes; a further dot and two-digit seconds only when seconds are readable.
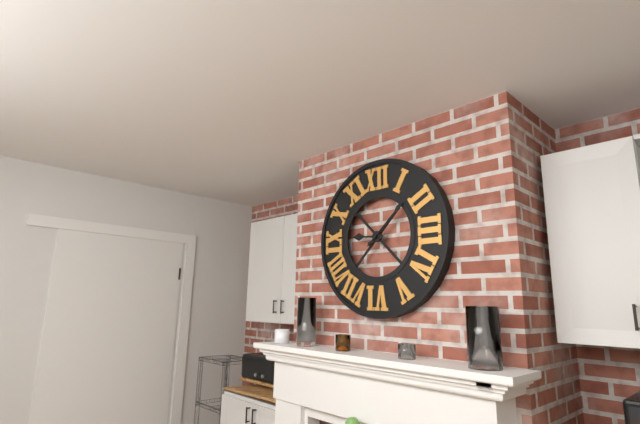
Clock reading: 9.08
